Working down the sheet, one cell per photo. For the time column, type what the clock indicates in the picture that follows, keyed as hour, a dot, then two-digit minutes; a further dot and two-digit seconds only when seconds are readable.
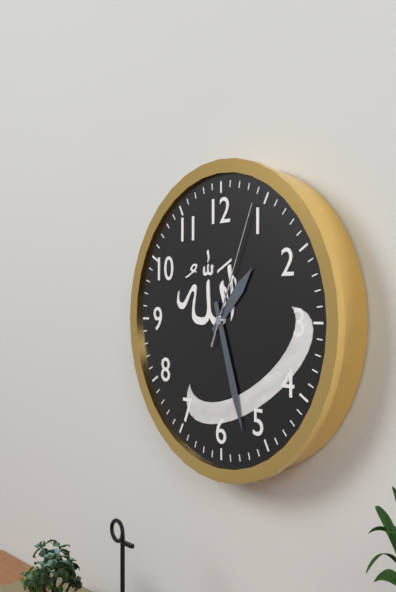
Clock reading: 1.27.04
